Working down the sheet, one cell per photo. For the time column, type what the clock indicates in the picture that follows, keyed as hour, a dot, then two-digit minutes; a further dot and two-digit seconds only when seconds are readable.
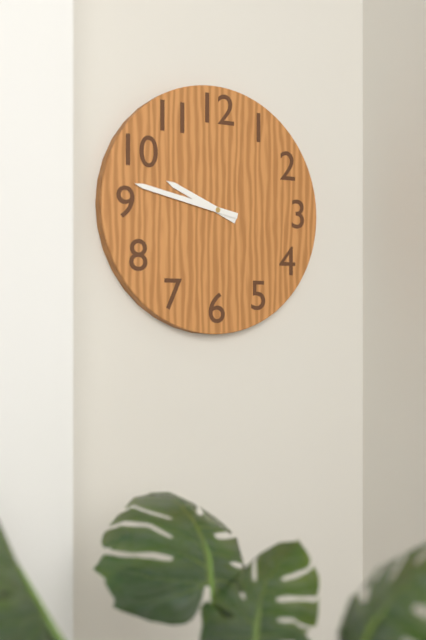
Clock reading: 9.47
